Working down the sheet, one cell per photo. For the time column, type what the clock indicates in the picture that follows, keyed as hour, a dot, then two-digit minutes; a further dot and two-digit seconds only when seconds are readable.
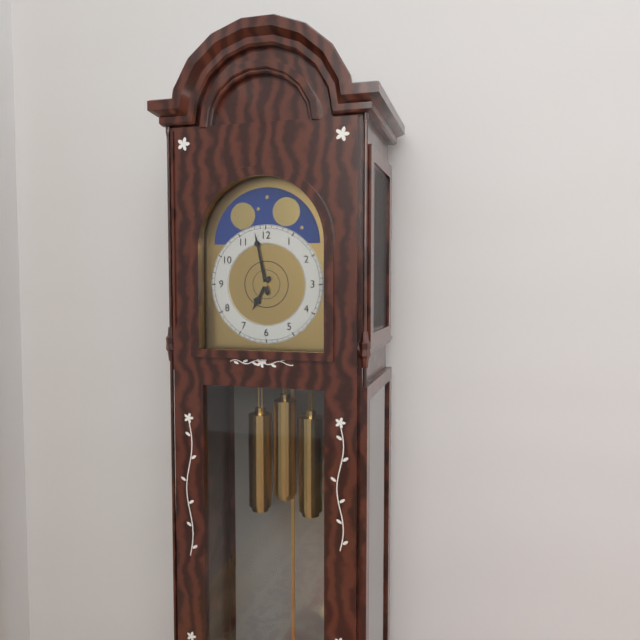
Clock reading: 6.58
